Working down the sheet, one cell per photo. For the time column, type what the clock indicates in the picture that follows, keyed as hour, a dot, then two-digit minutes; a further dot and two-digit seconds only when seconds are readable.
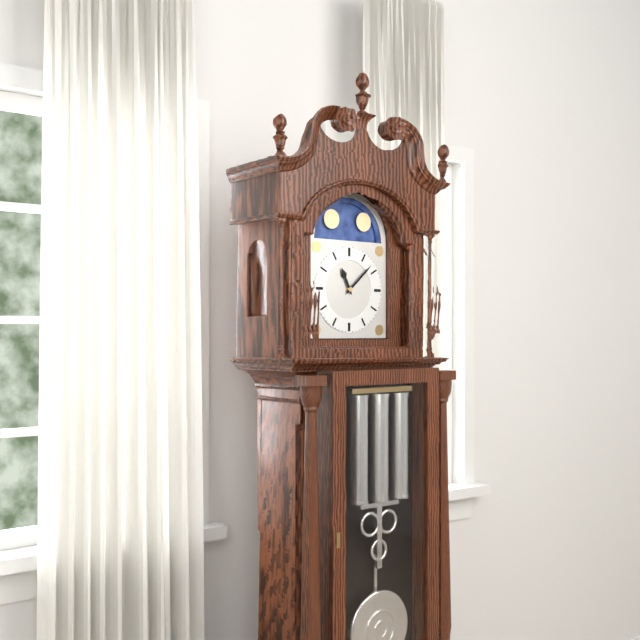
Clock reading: 11.08
